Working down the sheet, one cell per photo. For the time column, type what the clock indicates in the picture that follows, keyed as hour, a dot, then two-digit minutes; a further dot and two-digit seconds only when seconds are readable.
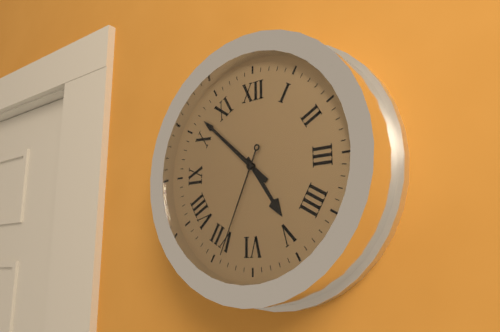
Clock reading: 4.52.34
